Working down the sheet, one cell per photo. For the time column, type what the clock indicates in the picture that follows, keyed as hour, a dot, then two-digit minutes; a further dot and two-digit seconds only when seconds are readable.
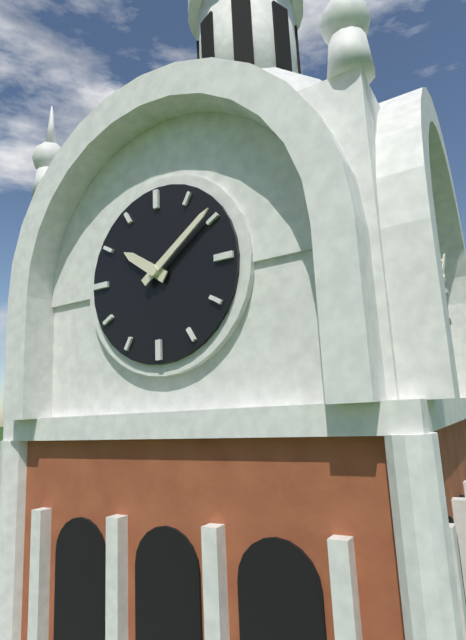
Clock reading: 10.09
